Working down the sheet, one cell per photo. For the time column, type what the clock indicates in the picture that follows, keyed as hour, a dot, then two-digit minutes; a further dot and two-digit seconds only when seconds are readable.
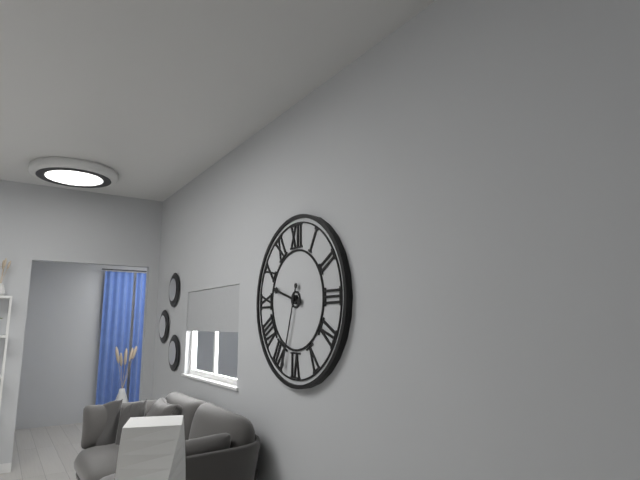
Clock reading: 9.33
